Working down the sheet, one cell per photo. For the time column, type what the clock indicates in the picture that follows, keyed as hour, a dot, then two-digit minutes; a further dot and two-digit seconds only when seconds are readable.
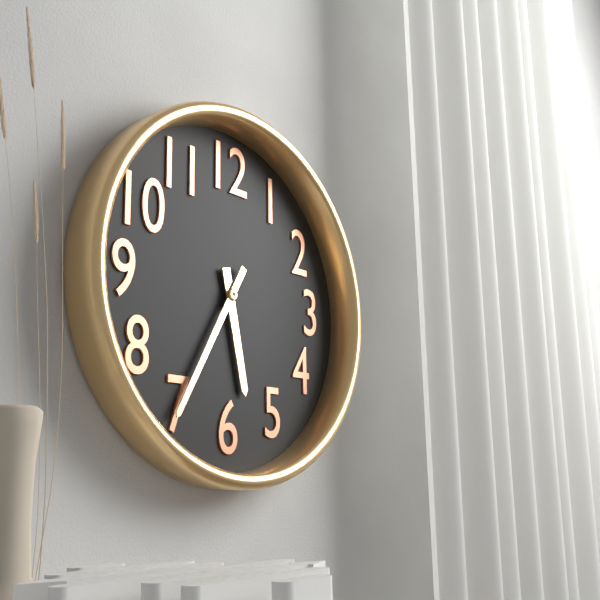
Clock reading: 5.35
